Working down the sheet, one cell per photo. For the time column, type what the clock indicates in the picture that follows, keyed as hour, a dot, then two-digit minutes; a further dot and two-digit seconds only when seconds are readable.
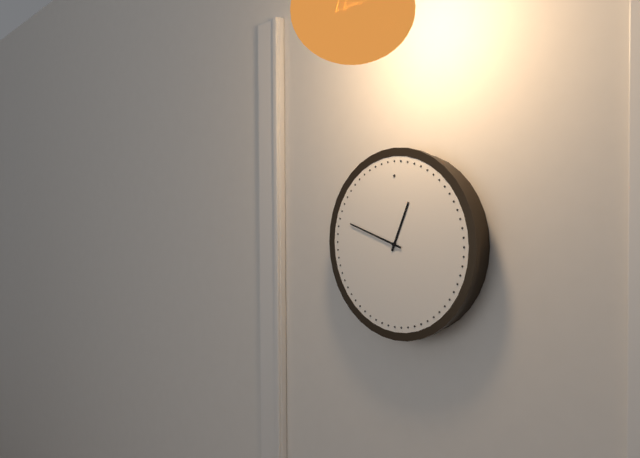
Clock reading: 12.48
